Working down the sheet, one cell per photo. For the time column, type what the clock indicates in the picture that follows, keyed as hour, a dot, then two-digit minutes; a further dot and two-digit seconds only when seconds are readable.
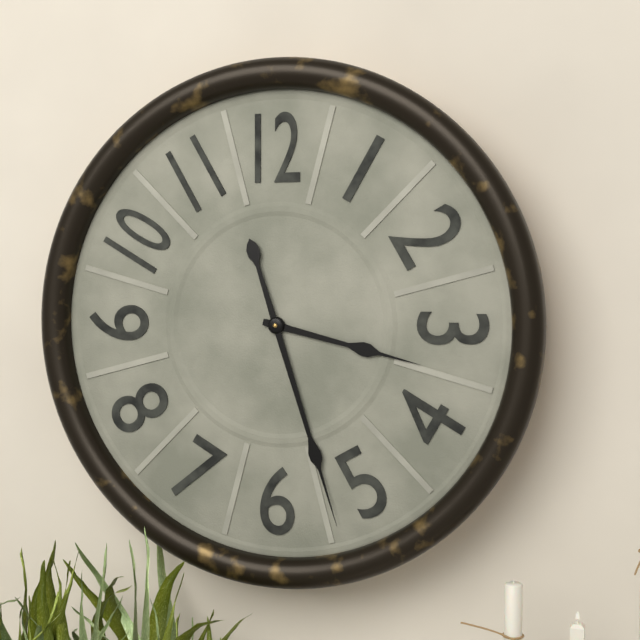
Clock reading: 3.27
